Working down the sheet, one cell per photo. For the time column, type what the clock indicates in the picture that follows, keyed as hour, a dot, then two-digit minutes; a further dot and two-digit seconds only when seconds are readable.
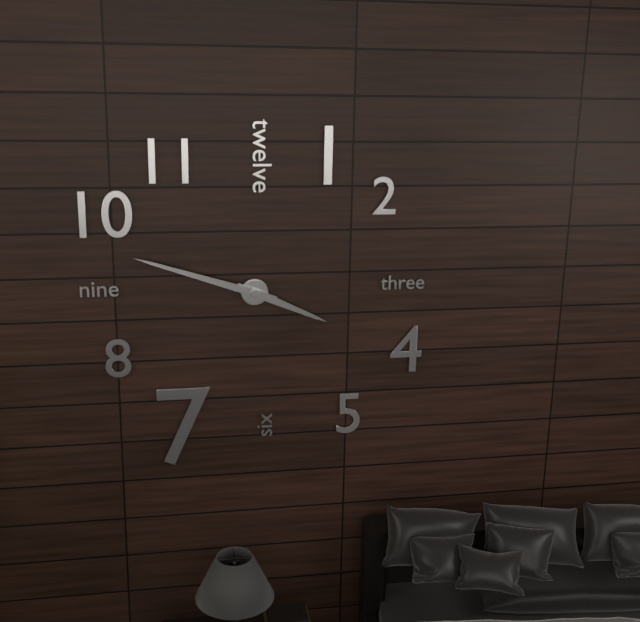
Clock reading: 3.48
